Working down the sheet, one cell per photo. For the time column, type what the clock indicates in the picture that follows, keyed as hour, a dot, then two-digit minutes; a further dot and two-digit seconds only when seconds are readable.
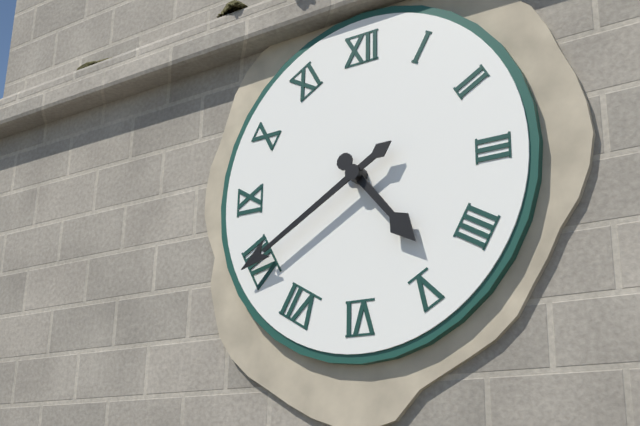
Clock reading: 4.40
